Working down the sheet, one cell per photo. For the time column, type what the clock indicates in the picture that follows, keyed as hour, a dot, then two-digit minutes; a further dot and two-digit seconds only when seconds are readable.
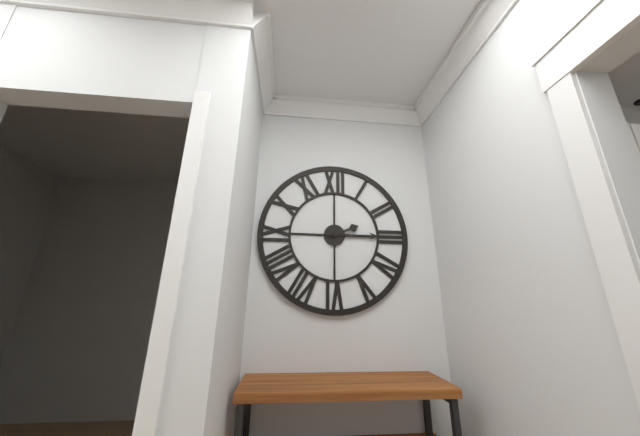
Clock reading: 2.15
